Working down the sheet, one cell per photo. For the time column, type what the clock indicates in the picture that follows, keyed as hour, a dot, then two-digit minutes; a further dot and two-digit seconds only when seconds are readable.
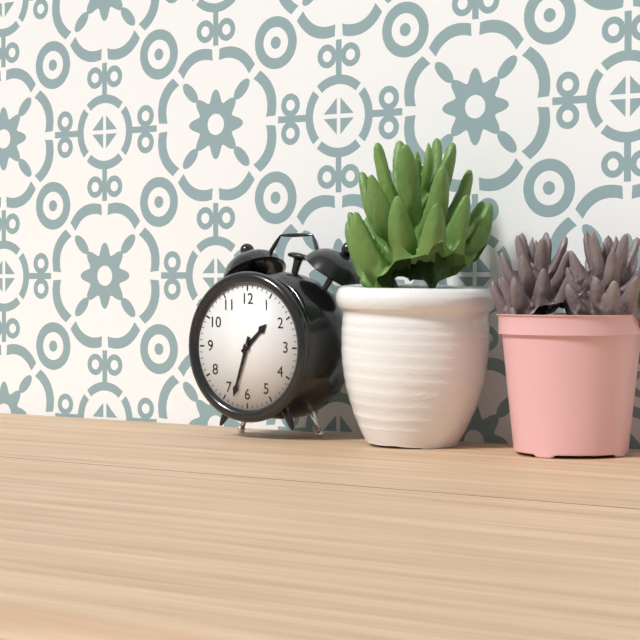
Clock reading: 1.33
